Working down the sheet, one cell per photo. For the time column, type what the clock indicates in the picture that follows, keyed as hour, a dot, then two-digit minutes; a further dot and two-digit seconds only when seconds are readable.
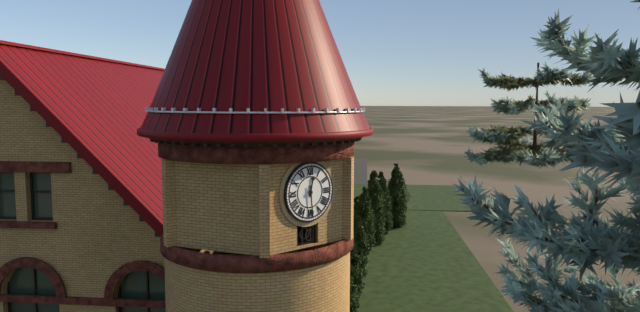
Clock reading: 12.29
